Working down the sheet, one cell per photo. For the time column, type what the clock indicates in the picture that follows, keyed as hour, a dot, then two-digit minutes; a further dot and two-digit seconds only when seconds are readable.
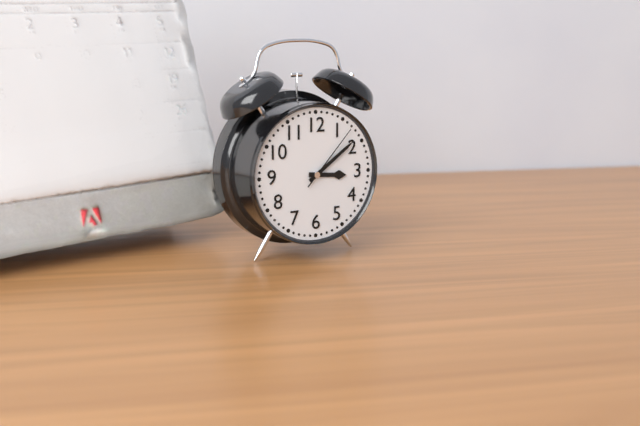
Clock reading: 3.09.07
